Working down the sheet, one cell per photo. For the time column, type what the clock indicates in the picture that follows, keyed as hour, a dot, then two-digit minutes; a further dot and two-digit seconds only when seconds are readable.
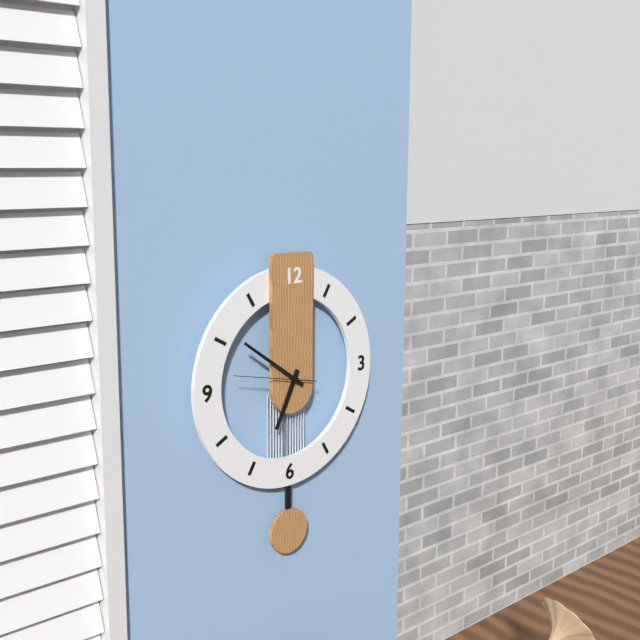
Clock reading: 6.51.47
